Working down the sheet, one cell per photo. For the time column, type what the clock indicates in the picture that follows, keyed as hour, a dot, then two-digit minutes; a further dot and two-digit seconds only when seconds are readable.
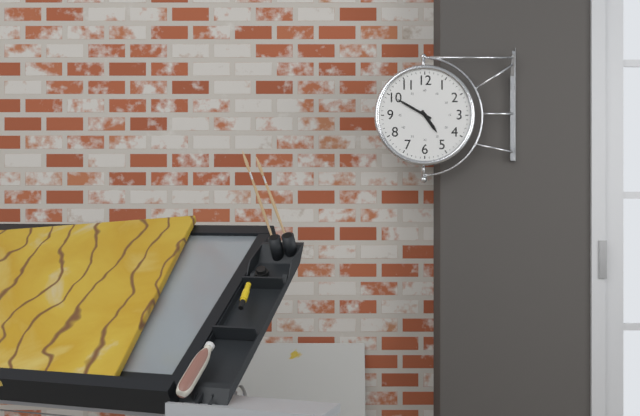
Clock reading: 4.50
